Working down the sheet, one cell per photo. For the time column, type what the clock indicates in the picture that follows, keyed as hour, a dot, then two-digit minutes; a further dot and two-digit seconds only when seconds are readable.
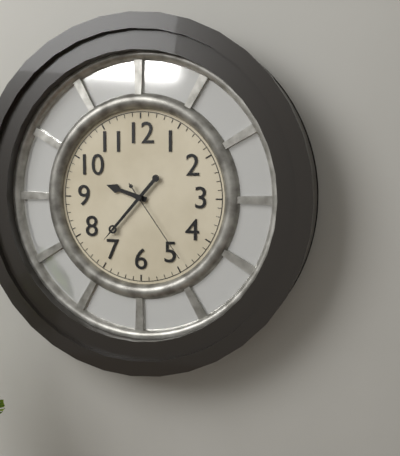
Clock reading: 9.37.24
